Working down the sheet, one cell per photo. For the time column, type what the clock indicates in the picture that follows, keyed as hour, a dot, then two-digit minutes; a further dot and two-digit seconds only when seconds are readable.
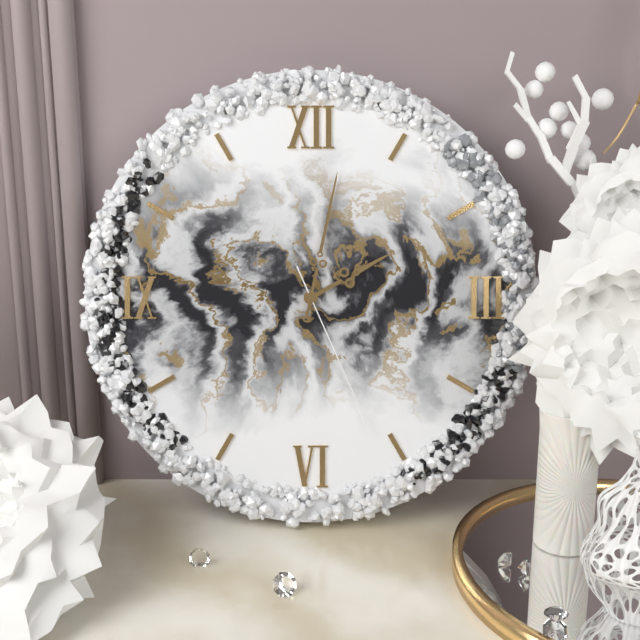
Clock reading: 2.02.26
